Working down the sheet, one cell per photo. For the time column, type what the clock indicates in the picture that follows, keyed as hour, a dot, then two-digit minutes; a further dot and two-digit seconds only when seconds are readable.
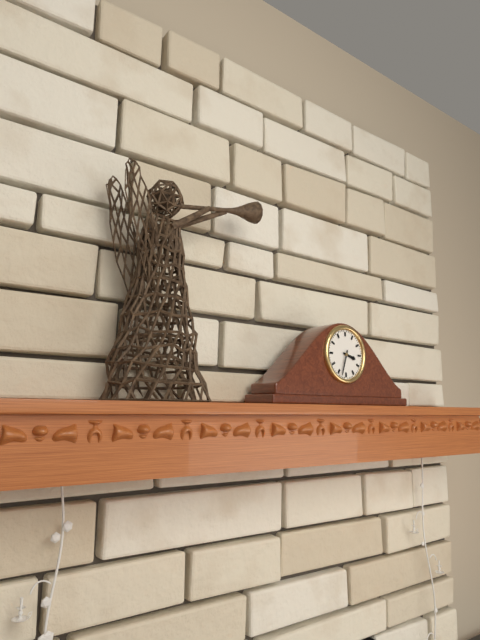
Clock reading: 3.33
